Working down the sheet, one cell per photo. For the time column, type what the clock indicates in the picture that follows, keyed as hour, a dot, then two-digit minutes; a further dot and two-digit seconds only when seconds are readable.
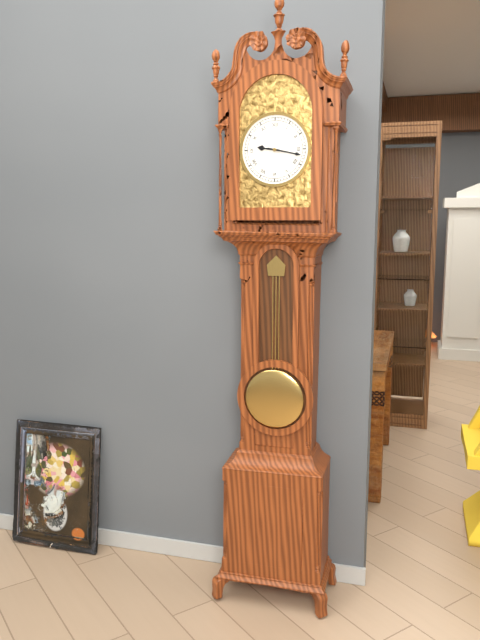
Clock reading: 9.17
